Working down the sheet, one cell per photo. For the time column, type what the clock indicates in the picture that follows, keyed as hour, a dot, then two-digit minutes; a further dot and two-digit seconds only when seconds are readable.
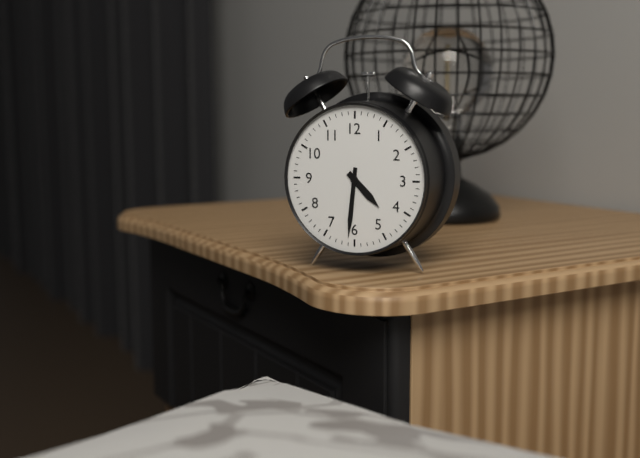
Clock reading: 4.31
